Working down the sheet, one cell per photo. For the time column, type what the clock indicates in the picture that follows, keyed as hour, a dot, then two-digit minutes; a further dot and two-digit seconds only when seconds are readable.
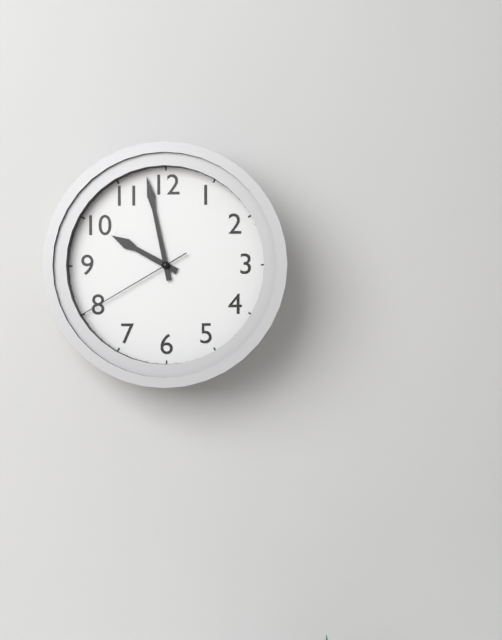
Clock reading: 9.58.40
